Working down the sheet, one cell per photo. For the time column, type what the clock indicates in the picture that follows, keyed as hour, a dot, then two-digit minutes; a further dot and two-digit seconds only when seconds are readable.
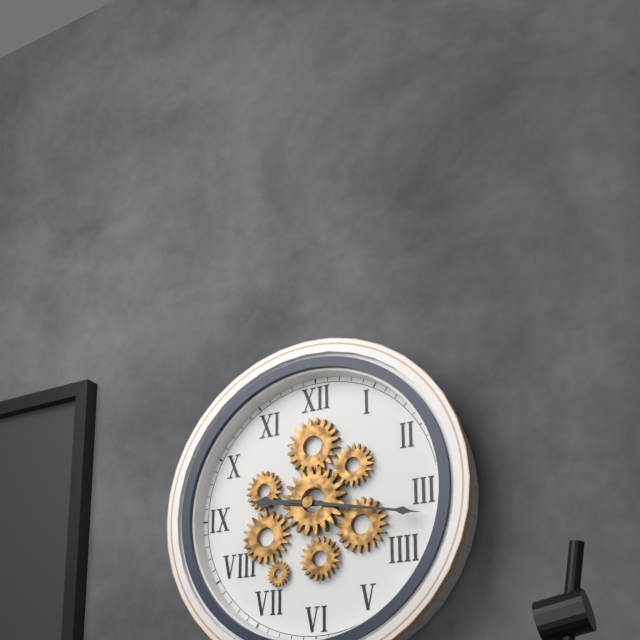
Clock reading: 9.17
